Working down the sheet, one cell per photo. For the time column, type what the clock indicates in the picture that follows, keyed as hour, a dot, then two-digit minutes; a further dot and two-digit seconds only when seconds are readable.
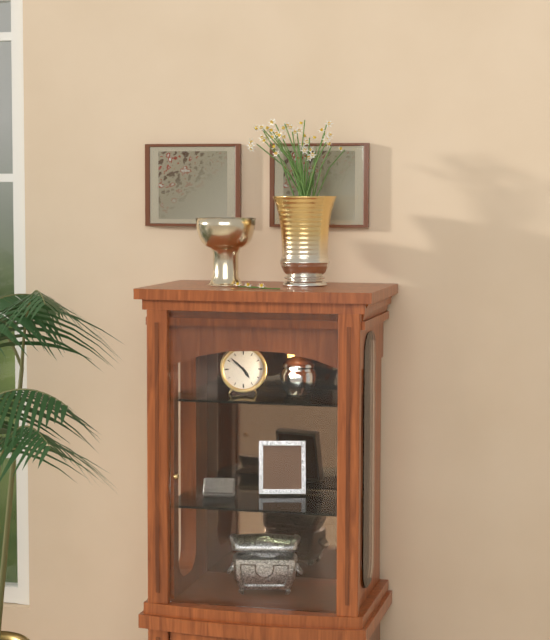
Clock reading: 4.52
